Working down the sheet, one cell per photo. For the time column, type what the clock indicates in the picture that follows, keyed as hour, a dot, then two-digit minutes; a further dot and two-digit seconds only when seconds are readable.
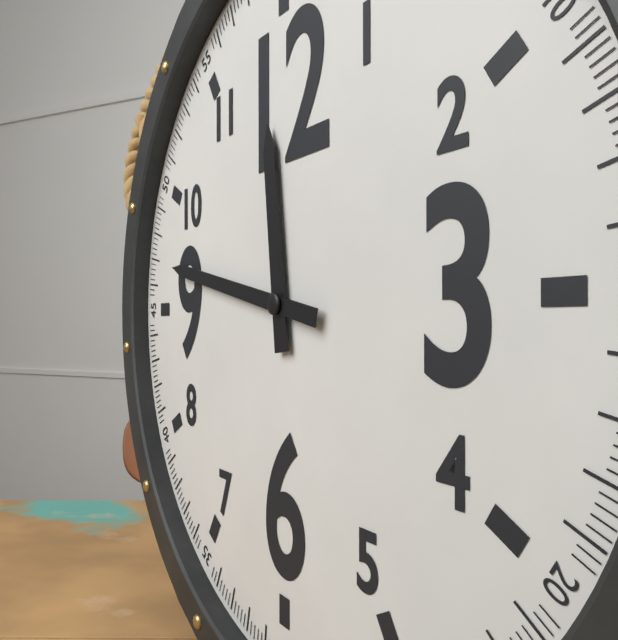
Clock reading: 11.47
